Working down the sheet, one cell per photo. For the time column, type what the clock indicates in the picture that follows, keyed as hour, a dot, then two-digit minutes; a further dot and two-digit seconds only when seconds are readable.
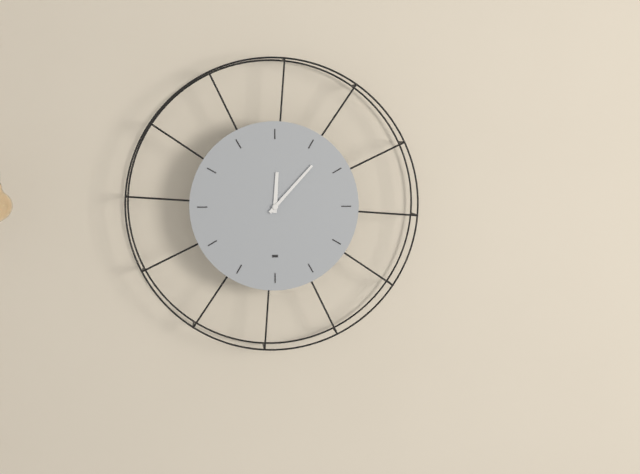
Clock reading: 12.07
